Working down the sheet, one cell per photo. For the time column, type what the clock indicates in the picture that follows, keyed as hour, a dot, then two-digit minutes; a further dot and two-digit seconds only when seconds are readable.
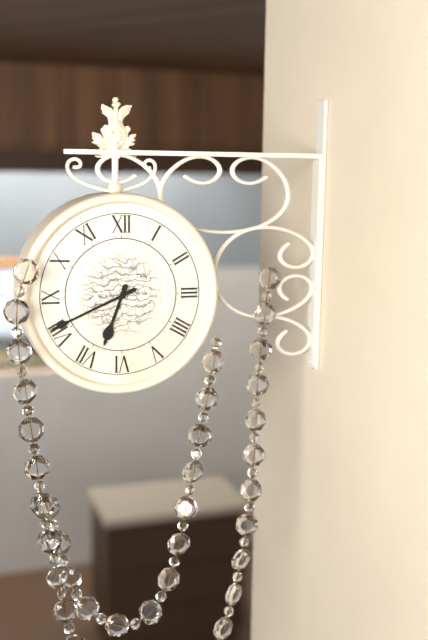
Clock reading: 6.41
